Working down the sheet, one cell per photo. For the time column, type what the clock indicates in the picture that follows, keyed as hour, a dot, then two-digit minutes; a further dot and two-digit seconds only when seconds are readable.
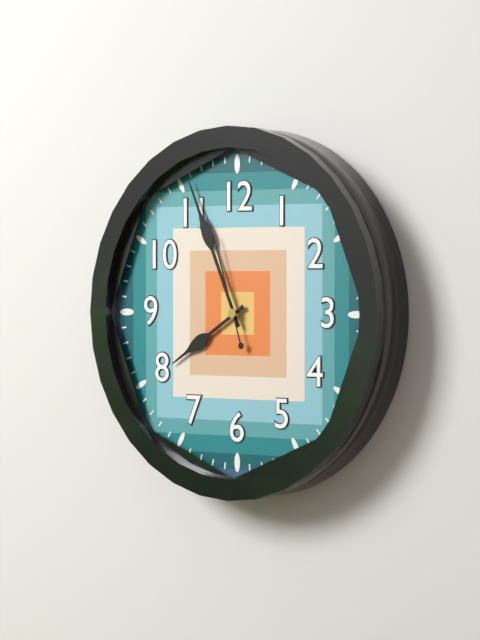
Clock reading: 7.56.57
